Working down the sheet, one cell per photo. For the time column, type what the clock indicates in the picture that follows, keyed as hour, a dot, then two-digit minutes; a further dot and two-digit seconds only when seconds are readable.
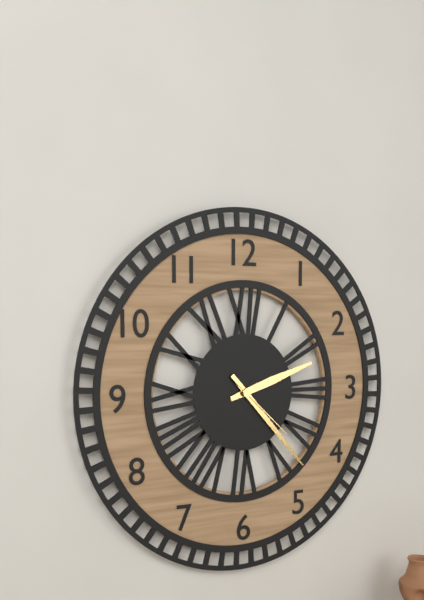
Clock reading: 2.23.22
